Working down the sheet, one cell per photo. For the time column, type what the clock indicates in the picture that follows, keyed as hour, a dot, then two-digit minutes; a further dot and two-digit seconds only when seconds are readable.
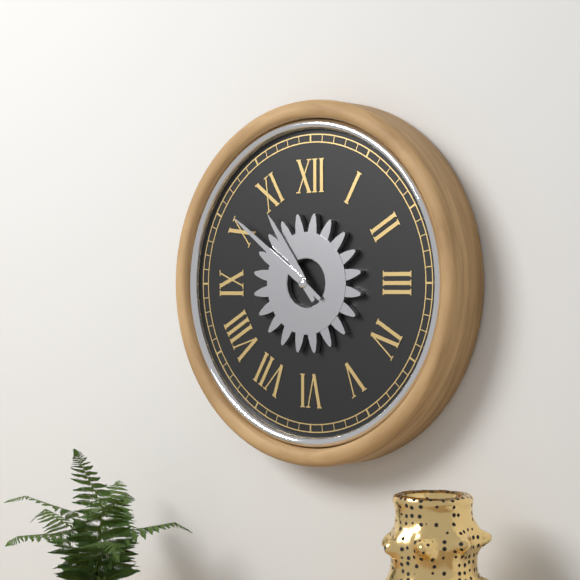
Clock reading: 10.51
